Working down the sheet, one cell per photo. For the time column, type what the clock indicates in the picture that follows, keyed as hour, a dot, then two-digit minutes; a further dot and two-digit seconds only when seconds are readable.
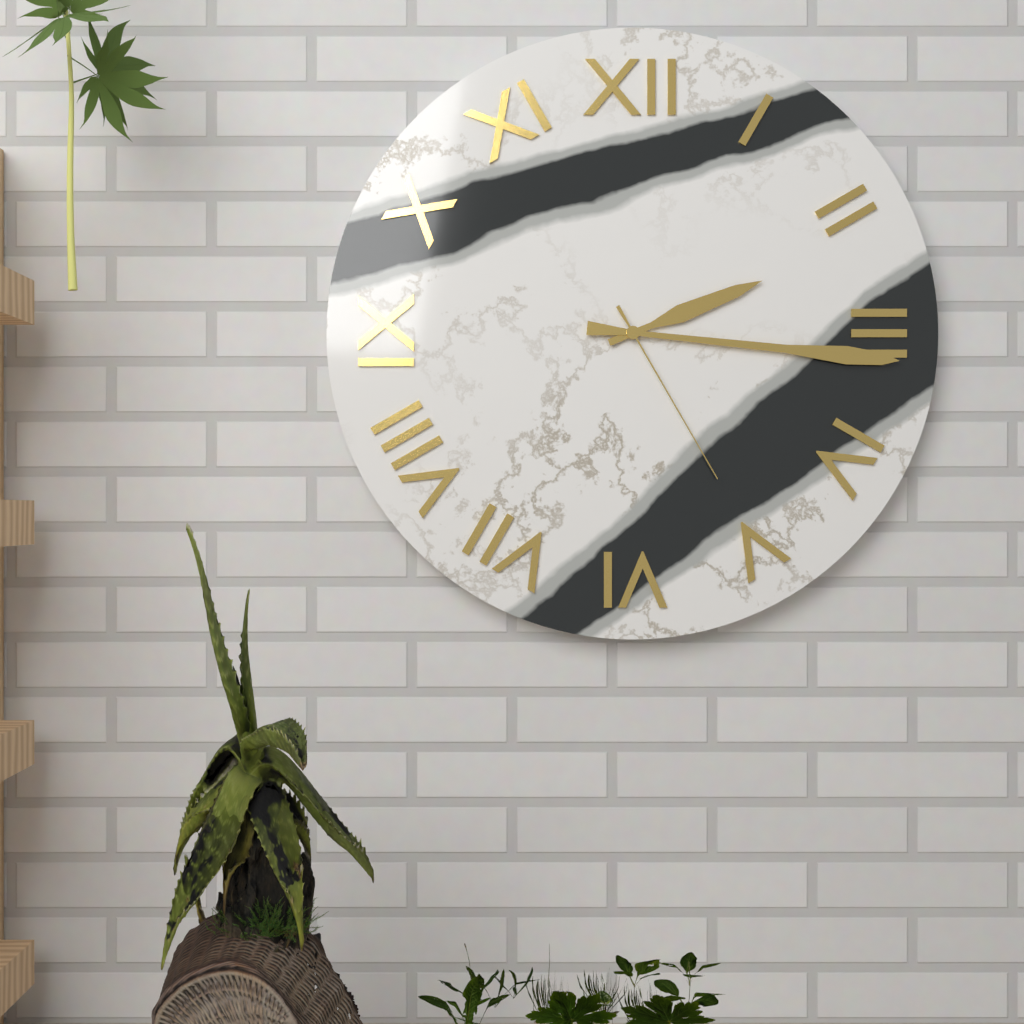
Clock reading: 2.16.25
